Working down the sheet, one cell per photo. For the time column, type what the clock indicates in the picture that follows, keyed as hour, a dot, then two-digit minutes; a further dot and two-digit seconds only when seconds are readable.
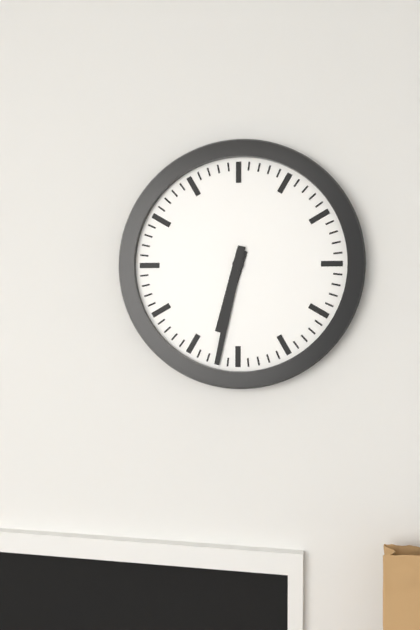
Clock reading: 6.32
